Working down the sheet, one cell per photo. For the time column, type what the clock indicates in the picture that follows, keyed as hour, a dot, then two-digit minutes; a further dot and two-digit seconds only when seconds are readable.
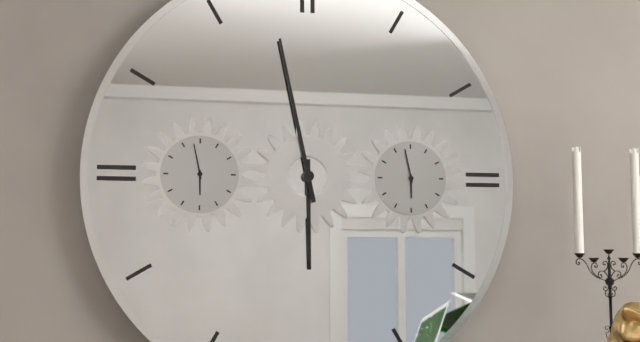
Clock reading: 5.58
